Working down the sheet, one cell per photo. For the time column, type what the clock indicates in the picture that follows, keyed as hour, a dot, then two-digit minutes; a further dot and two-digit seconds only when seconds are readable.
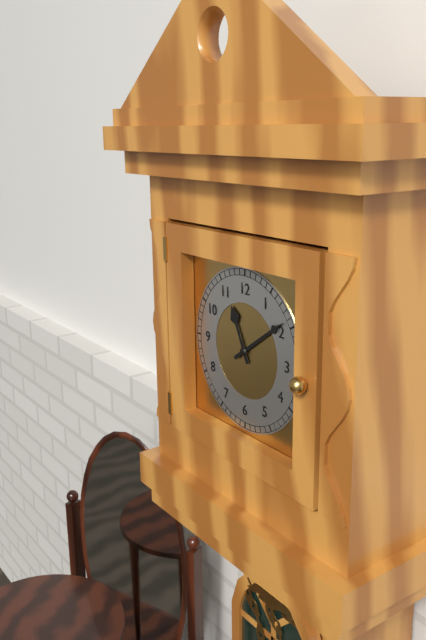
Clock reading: 11.09
